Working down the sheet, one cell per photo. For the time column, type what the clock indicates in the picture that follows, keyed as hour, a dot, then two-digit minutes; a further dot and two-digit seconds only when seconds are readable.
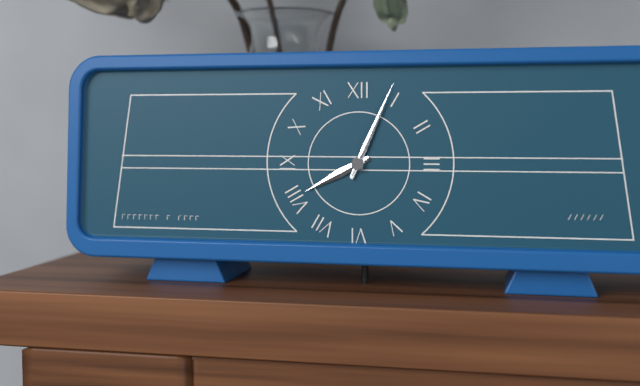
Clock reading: 8.04
